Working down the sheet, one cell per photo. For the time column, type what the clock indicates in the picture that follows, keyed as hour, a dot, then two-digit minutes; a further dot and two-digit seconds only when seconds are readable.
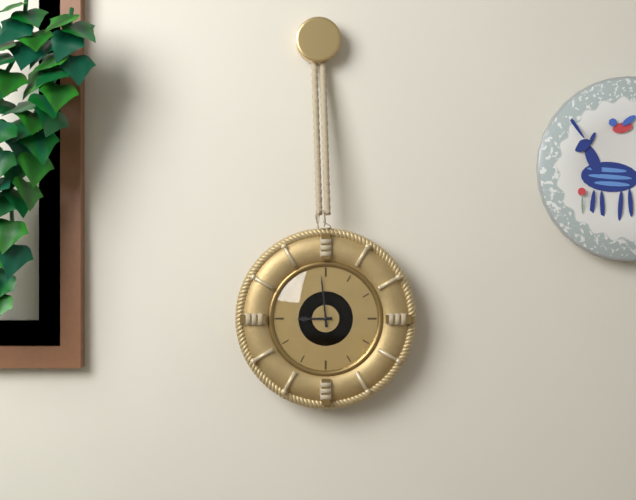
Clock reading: 8.59
